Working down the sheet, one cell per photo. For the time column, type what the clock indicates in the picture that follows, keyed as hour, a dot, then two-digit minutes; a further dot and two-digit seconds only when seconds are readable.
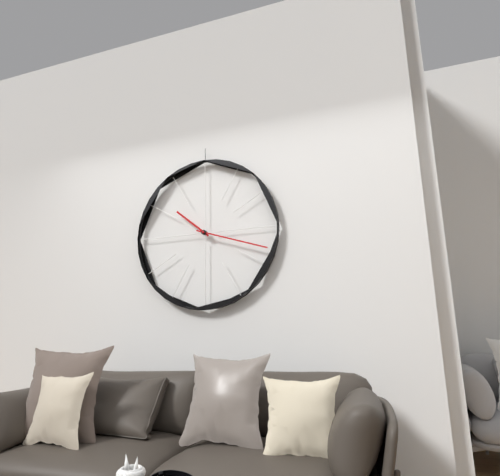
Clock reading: 10.18
